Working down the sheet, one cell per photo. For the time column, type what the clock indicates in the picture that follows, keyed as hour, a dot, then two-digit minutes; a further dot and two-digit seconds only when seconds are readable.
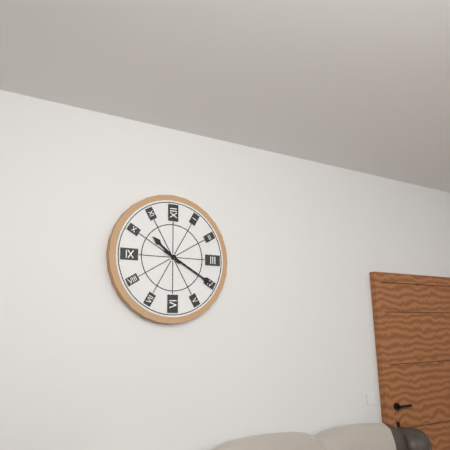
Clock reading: 10.20
